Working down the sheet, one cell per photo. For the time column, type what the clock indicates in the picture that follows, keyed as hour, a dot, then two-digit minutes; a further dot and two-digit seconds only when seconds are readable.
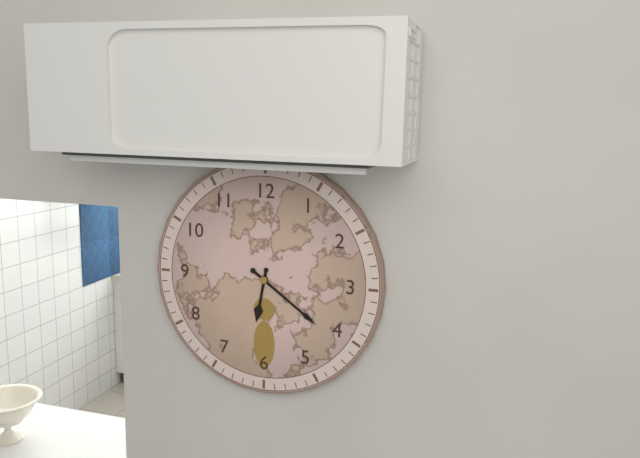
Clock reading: 6.21
